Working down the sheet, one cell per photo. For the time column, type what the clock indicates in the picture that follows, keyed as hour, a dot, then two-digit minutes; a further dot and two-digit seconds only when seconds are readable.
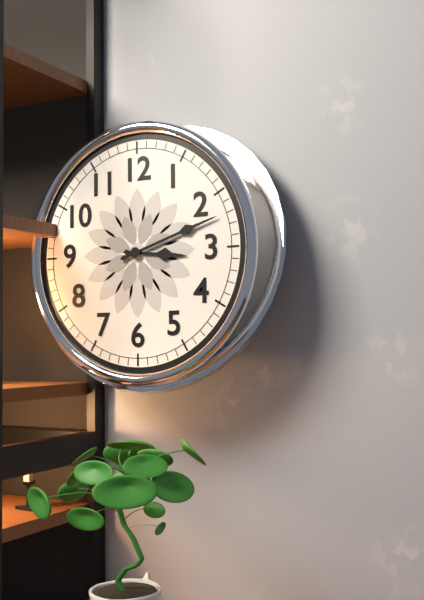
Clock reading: 3.12
